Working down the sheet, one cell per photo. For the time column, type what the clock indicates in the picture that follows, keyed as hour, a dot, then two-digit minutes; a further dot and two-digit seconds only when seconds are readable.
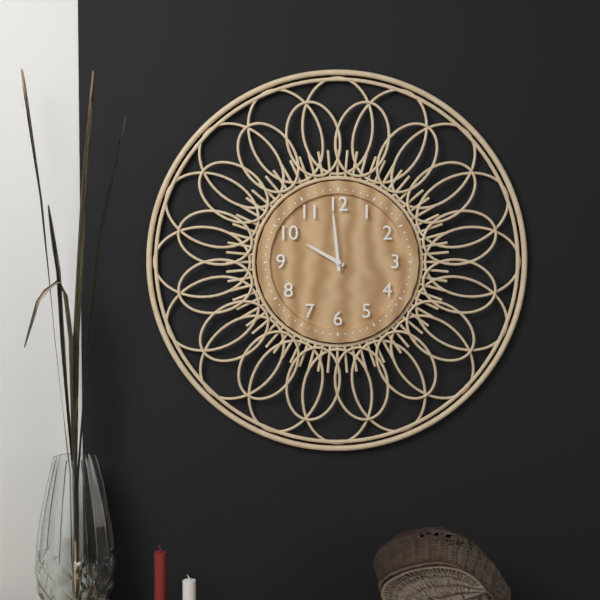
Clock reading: 9.59
